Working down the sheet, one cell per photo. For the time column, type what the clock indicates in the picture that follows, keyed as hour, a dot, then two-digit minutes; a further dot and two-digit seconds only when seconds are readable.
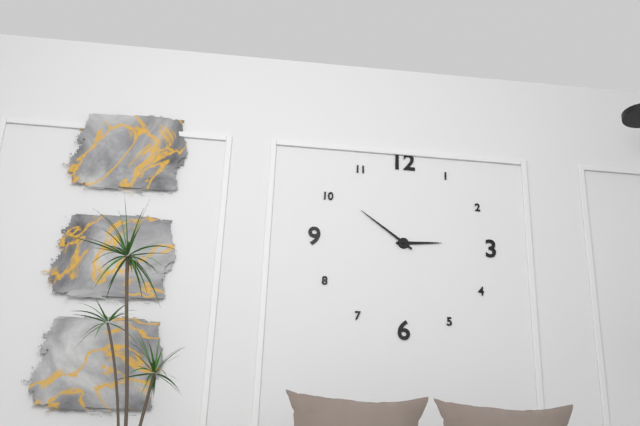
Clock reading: 2.51
